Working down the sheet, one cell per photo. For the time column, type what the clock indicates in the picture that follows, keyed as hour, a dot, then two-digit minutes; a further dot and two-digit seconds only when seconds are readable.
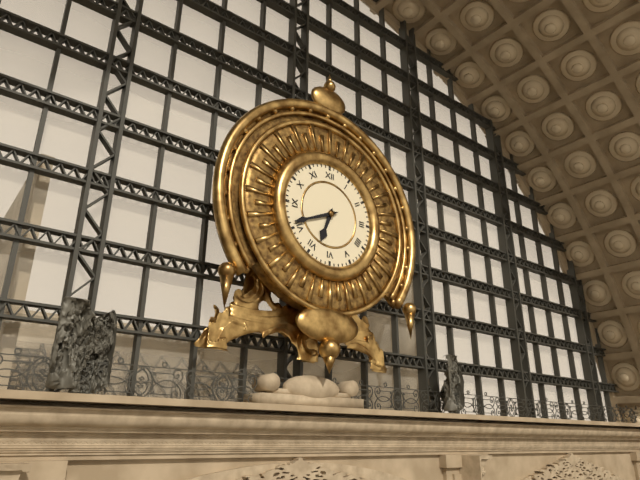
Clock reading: 6.41
